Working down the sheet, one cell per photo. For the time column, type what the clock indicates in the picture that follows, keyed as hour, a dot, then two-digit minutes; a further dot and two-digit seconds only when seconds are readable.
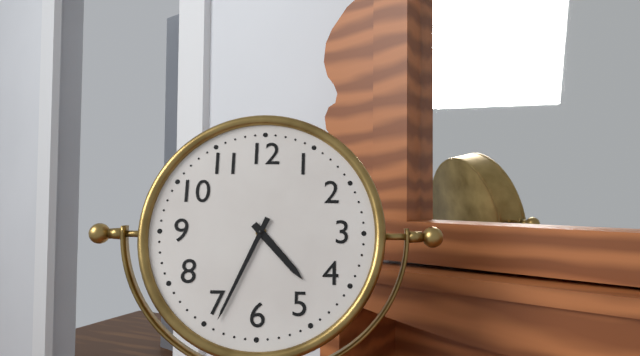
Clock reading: 4.34
